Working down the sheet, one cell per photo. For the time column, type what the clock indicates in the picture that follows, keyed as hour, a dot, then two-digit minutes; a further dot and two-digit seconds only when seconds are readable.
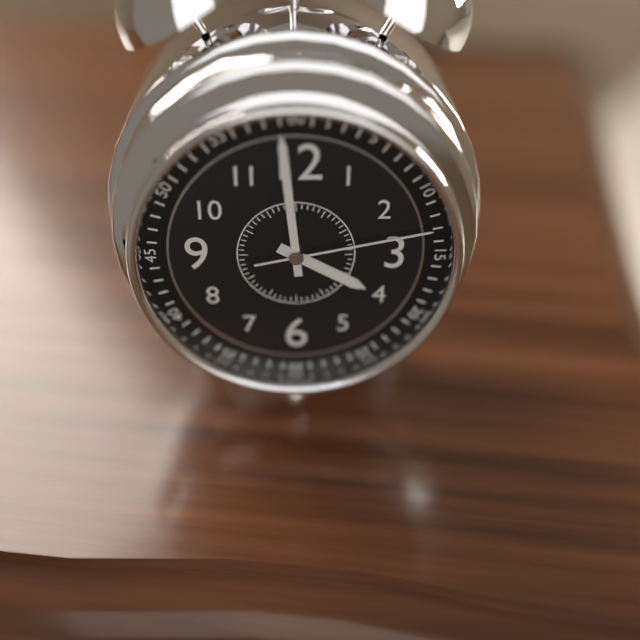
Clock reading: 3.59.13
